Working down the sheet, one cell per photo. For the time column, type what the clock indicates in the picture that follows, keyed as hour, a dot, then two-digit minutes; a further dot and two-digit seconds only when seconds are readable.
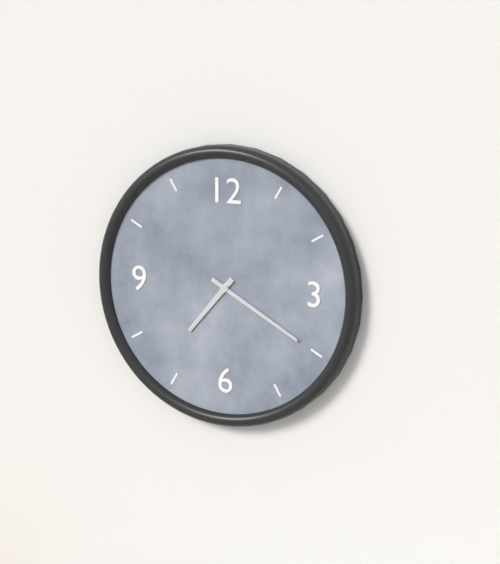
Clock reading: 7.20
